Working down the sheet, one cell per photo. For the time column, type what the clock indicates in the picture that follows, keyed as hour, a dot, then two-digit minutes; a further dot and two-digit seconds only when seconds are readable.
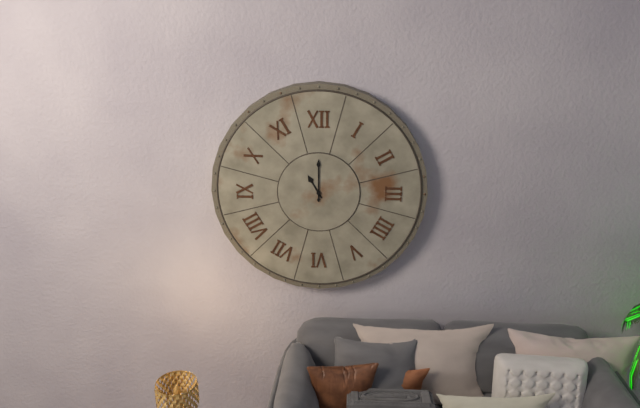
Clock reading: 11.00
